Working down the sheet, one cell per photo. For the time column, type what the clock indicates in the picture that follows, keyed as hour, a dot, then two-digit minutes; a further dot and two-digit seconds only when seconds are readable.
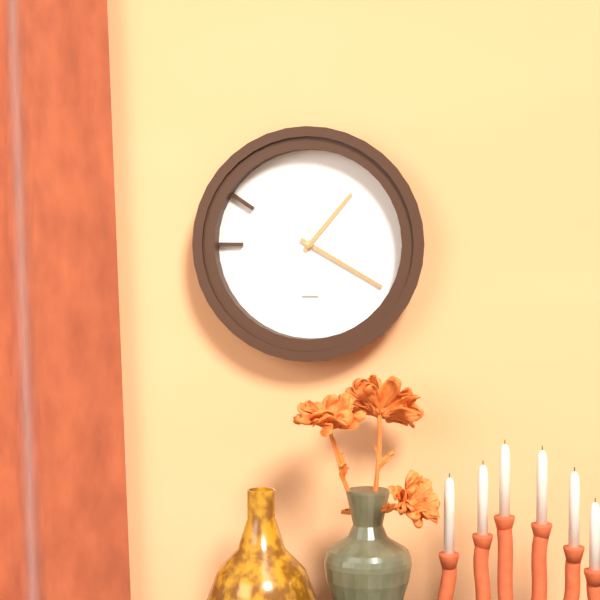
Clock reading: 1.20
